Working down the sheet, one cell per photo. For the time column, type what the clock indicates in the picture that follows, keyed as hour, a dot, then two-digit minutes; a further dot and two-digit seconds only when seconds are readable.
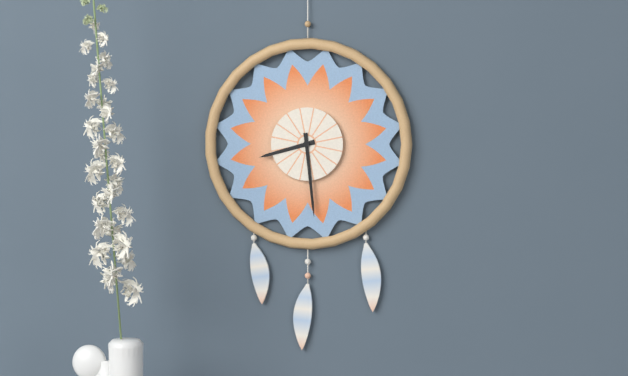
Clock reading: 8.29
